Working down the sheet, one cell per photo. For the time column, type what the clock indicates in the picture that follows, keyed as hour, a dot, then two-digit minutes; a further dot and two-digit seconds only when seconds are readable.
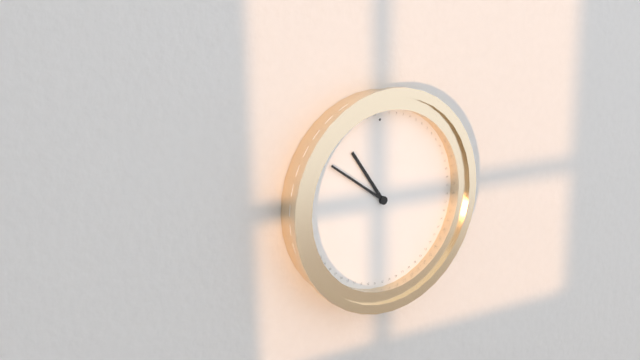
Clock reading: 10.51
